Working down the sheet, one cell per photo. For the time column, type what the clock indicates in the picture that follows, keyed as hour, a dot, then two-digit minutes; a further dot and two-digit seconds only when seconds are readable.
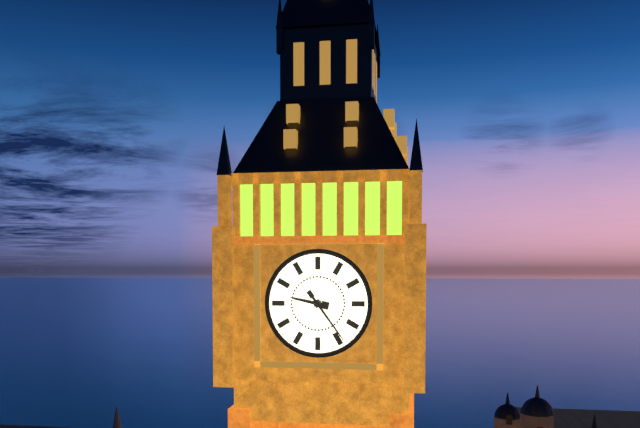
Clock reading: 9.24
